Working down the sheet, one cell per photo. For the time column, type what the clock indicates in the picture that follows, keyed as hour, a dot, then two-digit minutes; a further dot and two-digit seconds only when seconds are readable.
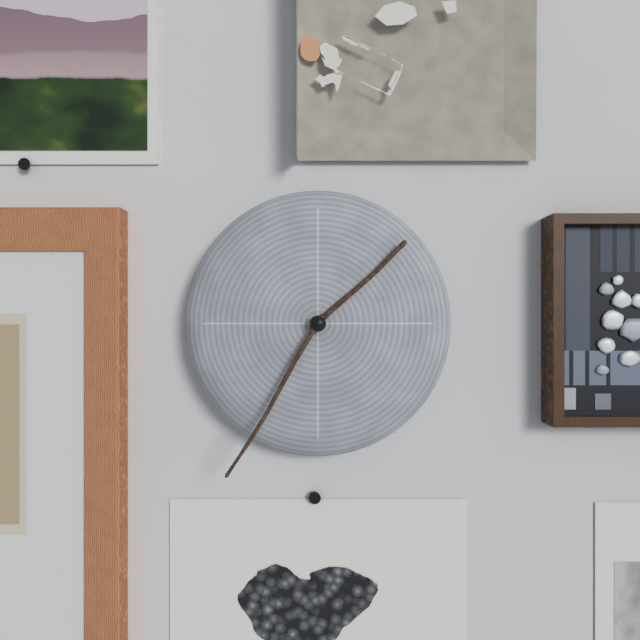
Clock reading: 1.35
